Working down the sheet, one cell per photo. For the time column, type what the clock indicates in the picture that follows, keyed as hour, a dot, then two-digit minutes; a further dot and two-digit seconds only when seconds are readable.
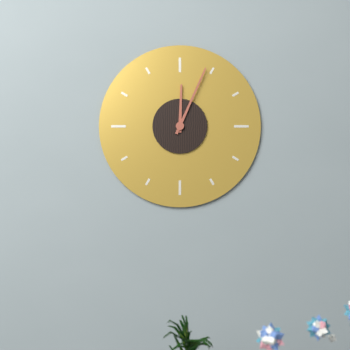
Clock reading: 12.04
